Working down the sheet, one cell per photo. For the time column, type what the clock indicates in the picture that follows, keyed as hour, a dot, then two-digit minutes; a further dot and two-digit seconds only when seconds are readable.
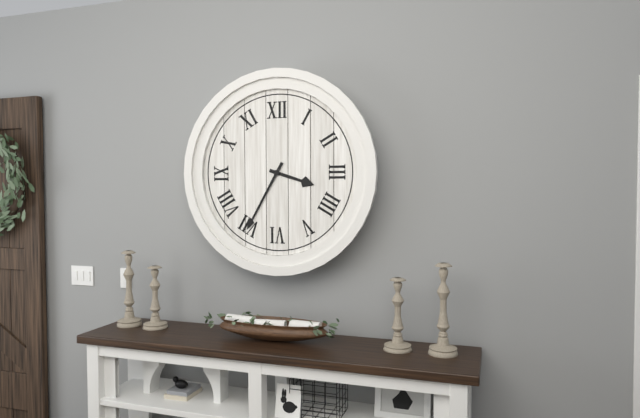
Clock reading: 3.35
